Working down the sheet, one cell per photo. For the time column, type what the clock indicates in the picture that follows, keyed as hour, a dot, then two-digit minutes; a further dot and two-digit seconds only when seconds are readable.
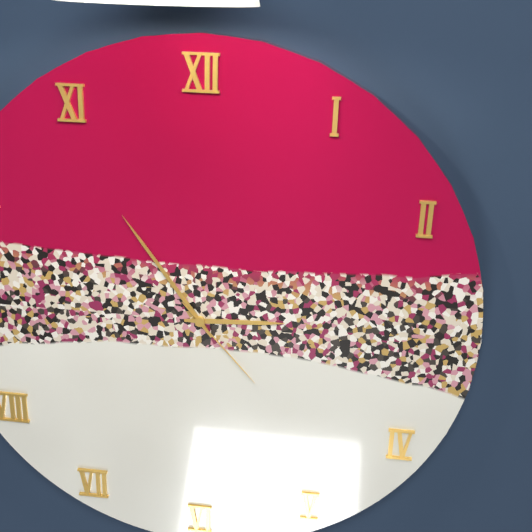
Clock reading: 2.54.23
